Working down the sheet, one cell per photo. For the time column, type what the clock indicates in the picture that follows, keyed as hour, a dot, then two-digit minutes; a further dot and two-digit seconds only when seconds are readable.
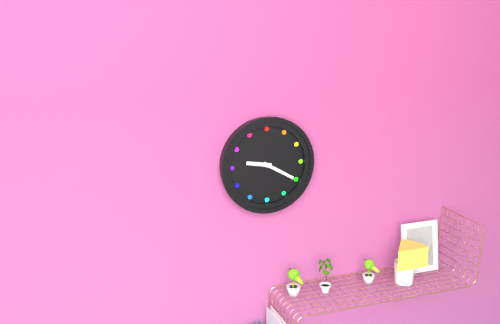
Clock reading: 9.20
